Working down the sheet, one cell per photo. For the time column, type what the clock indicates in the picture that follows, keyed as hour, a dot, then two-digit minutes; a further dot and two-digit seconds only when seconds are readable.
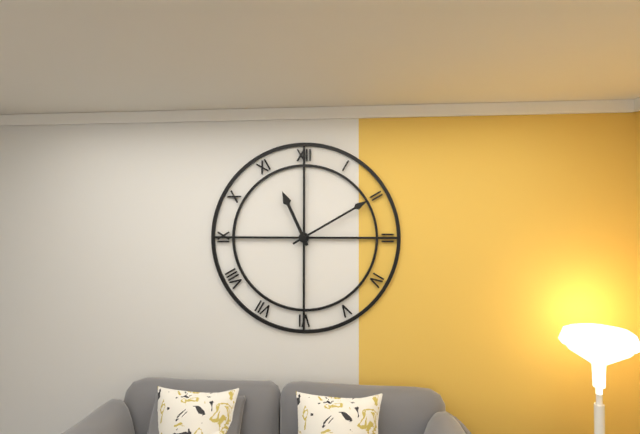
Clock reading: 11.10
